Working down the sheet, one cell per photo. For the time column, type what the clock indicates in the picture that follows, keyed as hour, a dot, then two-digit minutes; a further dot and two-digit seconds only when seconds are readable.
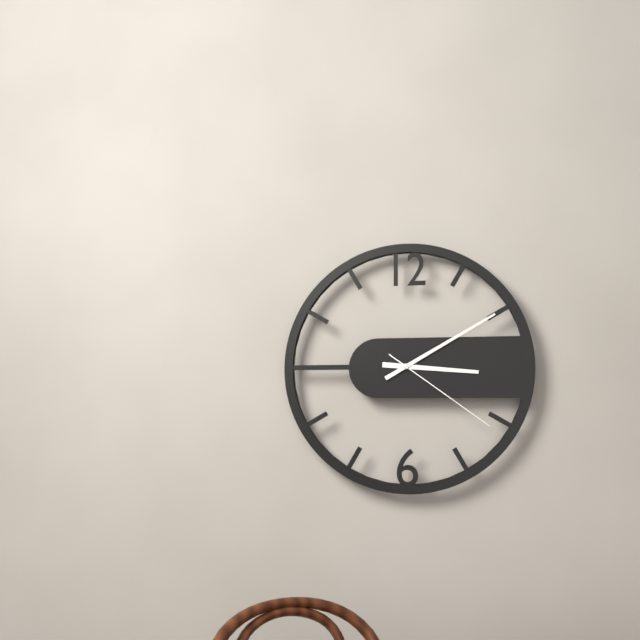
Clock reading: 3.10.21
